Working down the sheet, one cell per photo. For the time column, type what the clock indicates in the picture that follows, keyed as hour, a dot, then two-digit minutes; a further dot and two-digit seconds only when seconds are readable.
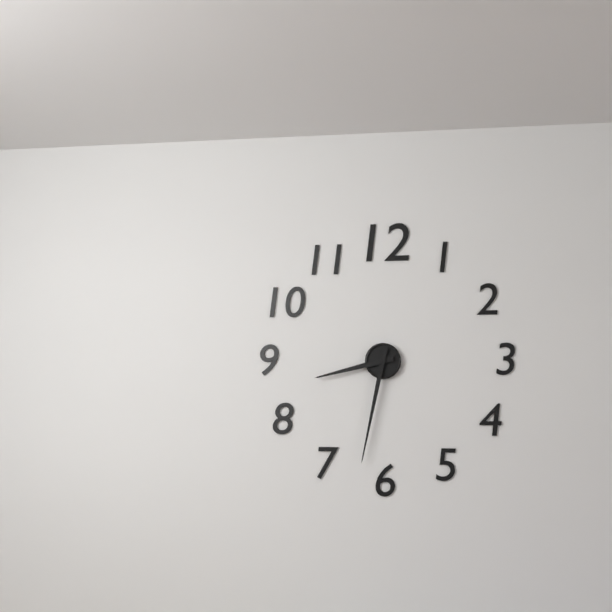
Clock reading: 8.32
